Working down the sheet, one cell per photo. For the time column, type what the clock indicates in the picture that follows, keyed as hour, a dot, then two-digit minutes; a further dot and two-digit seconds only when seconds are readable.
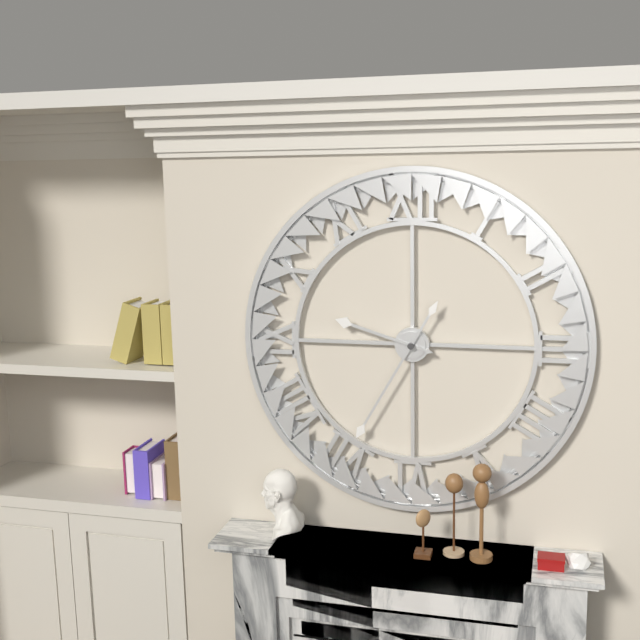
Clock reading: 9.35
